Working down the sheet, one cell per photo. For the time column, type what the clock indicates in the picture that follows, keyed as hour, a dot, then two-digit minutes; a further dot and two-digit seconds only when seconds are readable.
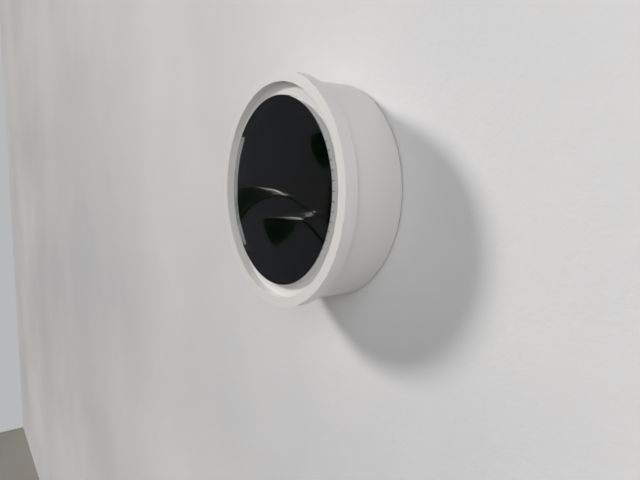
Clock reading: 3.18.58
